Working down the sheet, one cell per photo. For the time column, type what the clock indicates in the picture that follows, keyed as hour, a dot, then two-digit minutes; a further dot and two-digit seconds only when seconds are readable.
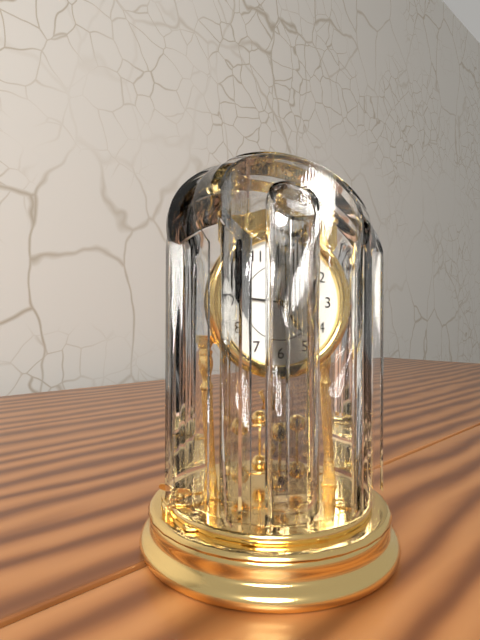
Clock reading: 4.46
